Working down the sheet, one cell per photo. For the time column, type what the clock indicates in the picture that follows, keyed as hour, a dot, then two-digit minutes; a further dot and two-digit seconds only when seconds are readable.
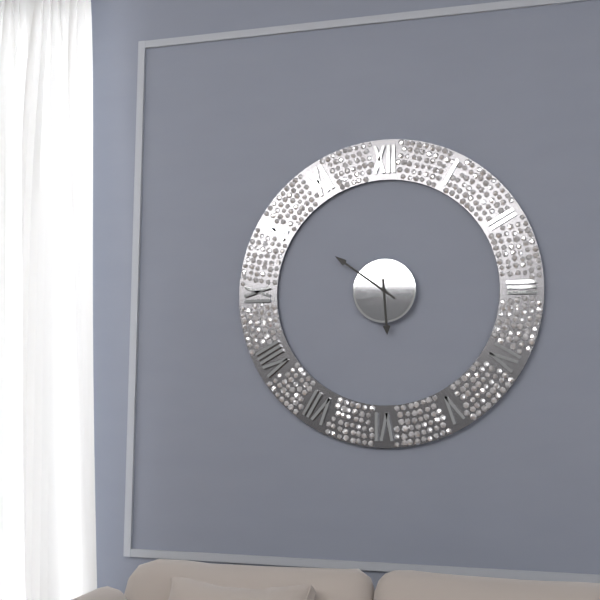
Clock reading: 5.51
